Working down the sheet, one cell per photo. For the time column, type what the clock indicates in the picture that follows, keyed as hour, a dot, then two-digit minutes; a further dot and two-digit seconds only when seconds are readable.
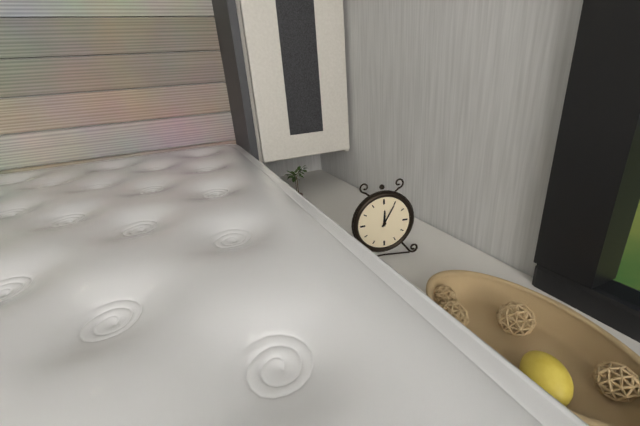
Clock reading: 12.05
